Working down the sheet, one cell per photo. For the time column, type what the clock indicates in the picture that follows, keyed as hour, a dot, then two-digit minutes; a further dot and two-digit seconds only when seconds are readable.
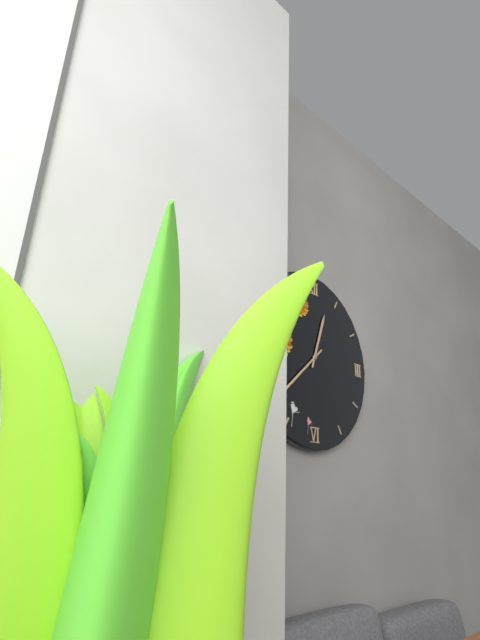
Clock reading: 12.38
